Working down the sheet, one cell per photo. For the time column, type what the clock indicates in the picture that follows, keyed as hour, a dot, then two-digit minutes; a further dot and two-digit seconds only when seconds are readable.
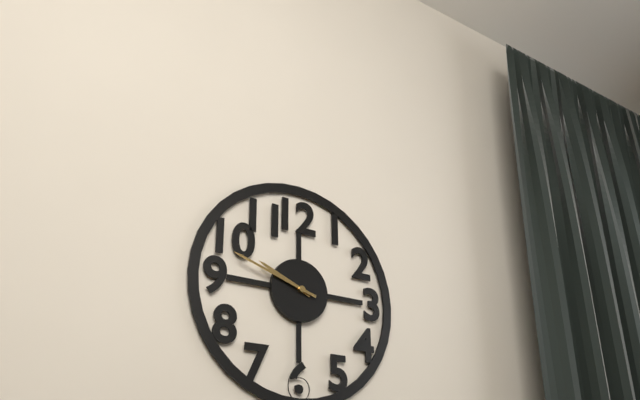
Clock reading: 9.48
